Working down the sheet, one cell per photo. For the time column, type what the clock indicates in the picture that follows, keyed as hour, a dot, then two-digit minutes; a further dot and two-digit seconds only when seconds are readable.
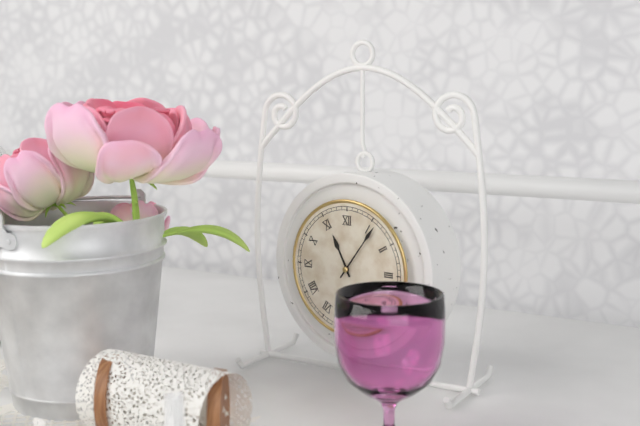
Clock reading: 11.06
